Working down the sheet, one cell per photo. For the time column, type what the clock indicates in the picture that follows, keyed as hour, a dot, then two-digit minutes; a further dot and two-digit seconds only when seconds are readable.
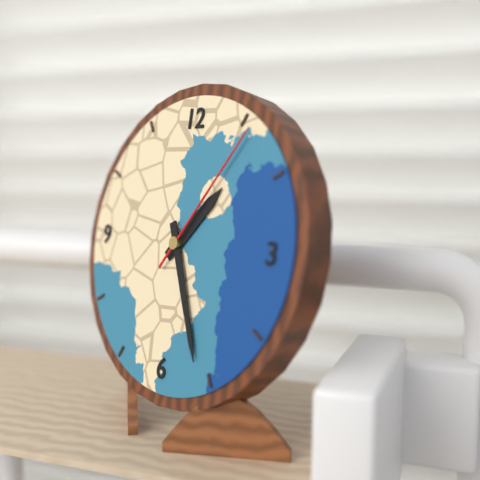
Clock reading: 1.26.06
